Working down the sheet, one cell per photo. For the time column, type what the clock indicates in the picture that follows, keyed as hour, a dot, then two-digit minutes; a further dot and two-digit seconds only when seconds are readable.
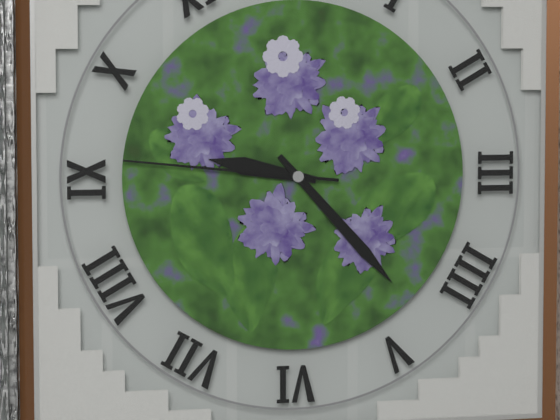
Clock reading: 9.23.46
